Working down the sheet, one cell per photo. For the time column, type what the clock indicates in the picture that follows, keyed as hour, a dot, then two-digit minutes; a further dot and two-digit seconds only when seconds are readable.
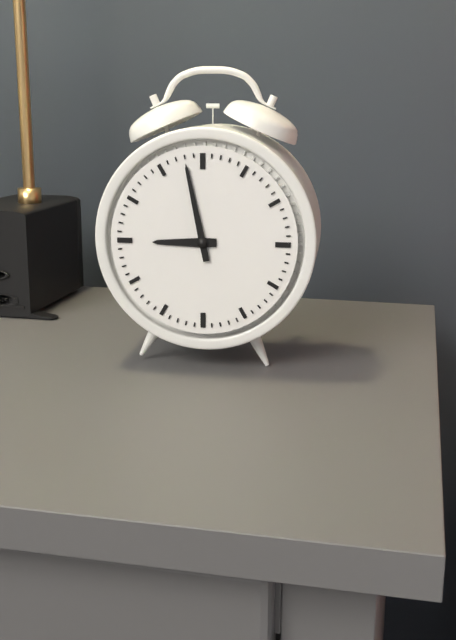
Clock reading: 8.58
